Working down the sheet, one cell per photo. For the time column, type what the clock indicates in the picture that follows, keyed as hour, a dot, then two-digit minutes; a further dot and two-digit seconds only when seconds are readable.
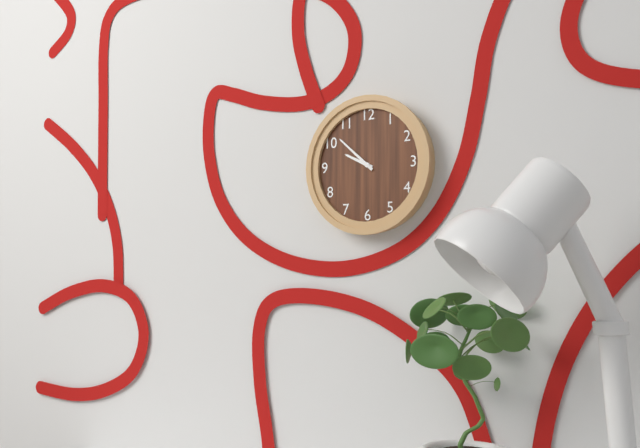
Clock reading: 9.52
